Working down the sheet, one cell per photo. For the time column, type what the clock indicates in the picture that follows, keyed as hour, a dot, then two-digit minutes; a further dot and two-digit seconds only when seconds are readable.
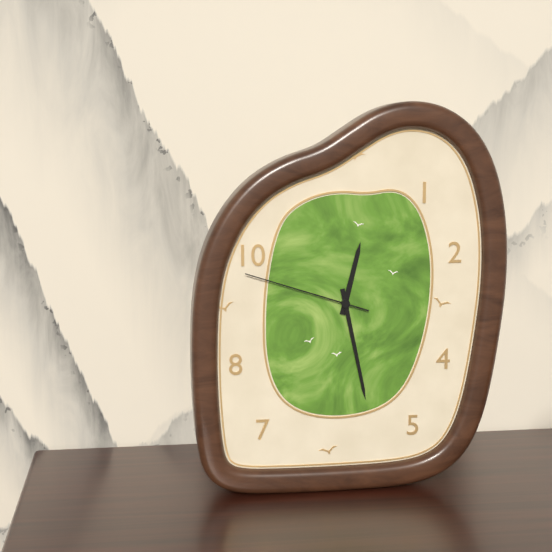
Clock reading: 12.28.48
